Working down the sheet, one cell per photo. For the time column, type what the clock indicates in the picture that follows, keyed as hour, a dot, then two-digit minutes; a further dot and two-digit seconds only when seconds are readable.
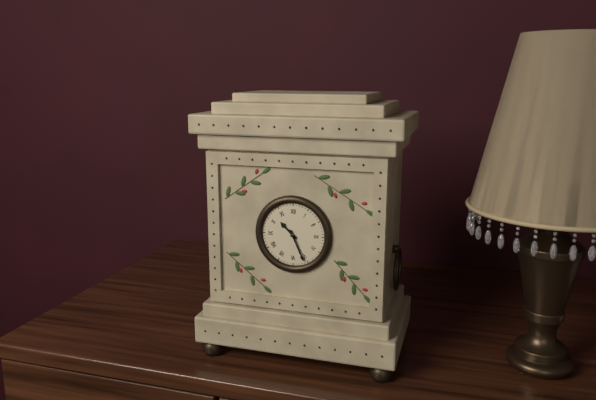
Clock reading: 10.26
